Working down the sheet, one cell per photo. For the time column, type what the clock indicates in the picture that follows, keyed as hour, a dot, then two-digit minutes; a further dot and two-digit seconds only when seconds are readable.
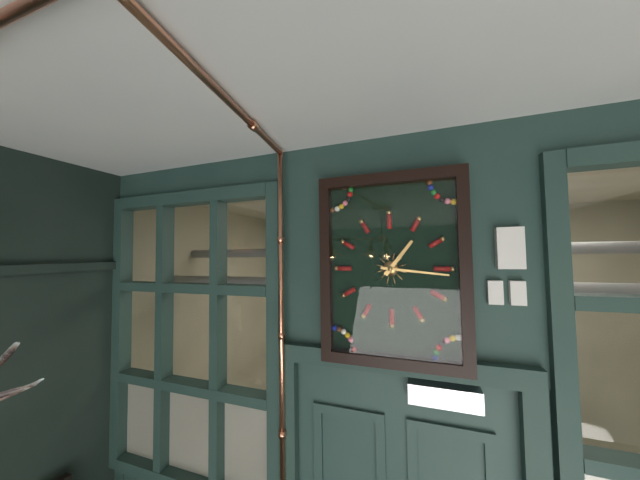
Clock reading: 1.16
